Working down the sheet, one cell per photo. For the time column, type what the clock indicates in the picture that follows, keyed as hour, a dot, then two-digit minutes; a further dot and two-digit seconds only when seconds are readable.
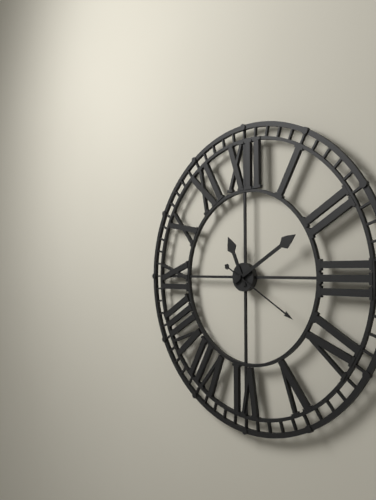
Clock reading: 11.10.20
